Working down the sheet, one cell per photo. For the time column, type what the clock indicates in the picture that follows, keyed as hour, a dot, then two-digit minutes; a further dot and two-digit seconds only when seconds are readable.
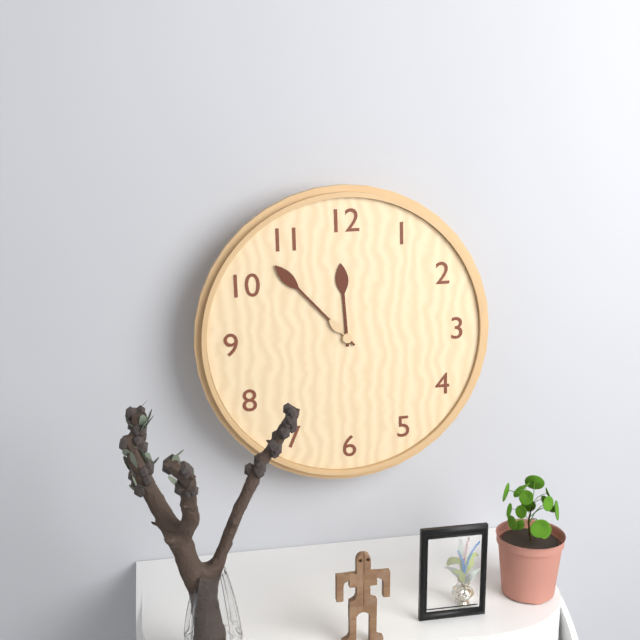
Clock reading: 11.53
